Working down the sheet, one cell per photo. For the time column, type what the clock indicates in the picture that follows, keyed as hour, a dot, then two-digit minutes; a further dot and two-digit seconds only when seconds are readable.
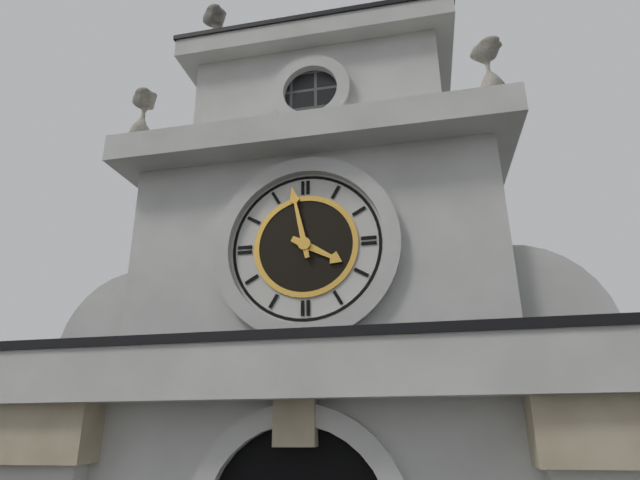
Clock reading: 3.58
